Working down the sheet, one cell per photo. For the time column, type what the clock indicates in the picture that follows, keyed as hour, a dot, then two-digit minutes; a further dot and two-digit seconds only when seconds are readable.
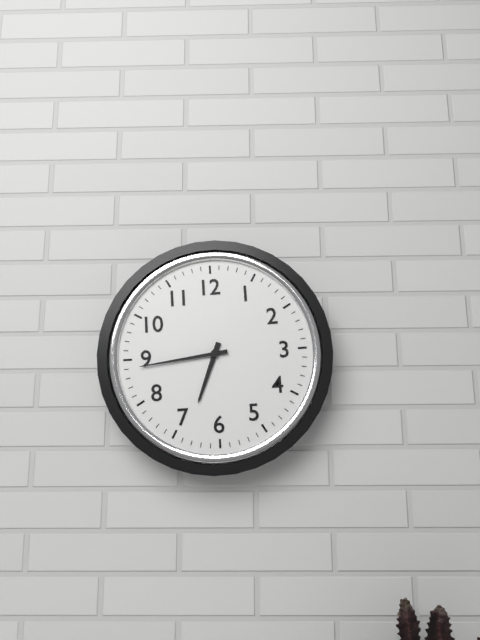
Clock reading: 6.44
